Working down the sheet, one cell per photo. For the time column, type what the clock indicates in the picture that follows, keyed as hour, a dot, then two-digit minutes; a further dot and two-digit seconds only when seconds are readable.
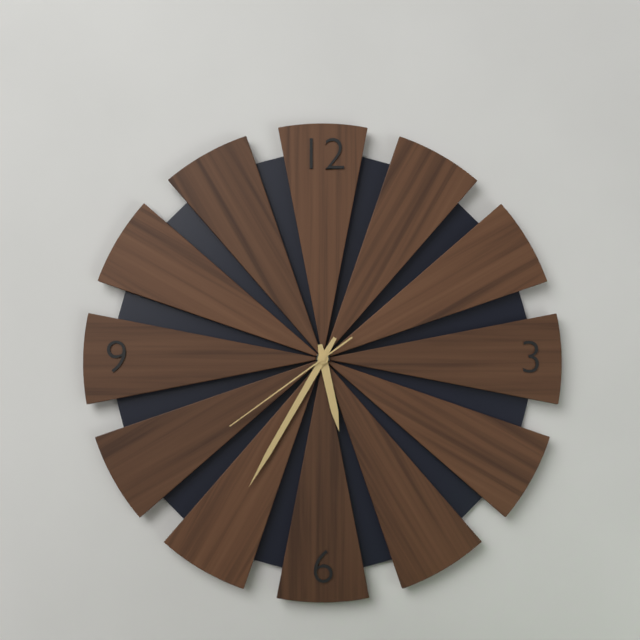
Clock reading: 5.35.39
